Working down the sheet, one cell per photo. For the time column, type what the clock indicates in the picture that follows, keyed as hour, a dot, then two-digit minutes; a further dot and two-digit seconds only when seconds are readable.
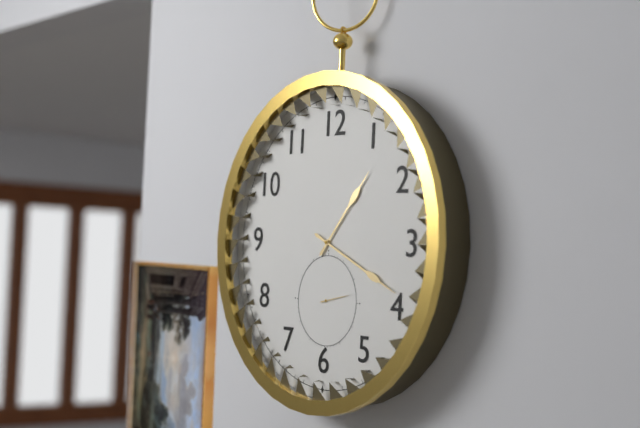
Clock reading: 1.19
